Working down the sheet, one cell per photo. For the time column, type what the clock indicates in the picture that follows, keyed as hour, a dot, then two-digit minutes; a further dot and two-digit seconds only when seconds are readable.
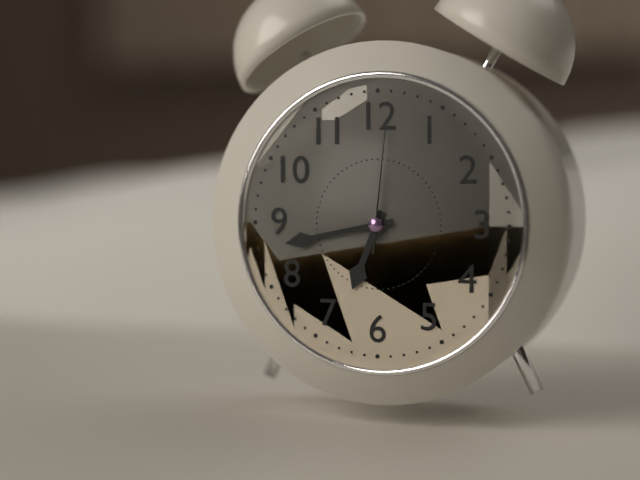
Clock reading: 6.43.01
